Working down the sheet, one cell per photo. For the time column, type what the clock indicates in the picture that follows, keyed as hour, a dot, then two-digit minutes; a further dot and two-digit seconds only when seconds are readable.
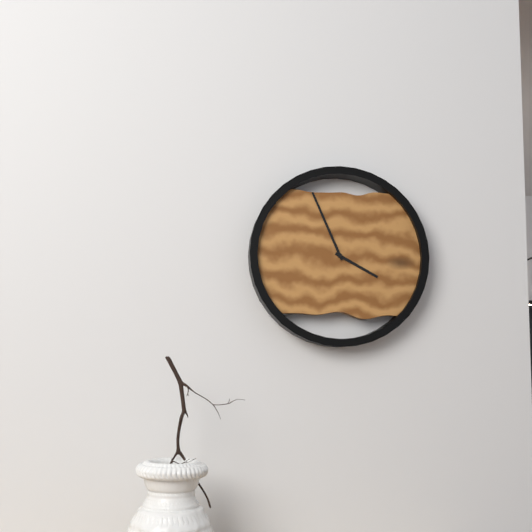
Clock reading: 3.56
